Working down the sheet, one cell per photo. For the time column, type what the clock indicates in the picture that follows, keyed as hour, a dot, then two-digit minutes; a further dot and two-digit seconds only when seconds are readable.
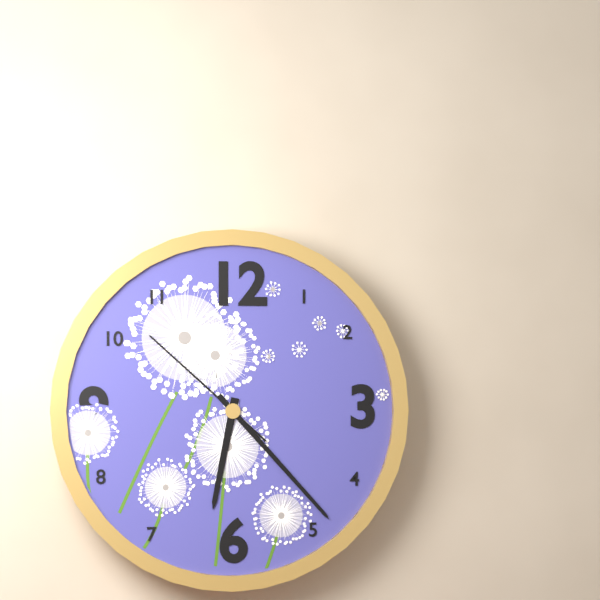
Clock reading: 6.23.52
